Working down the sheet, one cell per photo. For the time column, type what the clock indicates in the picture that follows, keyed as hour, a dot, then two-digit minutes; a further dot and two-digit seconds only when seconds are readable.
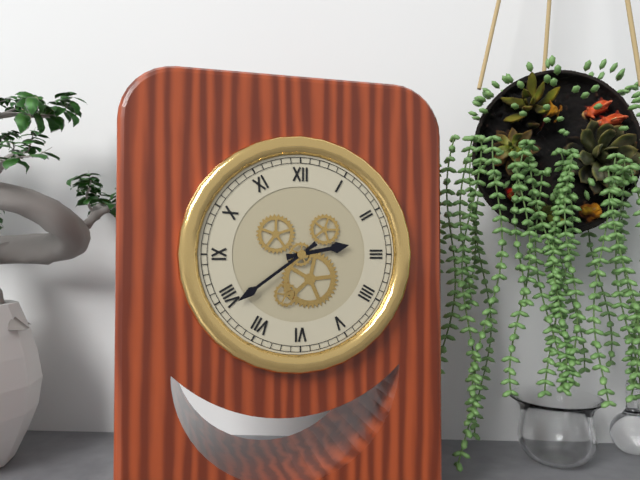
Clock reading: 2.39
